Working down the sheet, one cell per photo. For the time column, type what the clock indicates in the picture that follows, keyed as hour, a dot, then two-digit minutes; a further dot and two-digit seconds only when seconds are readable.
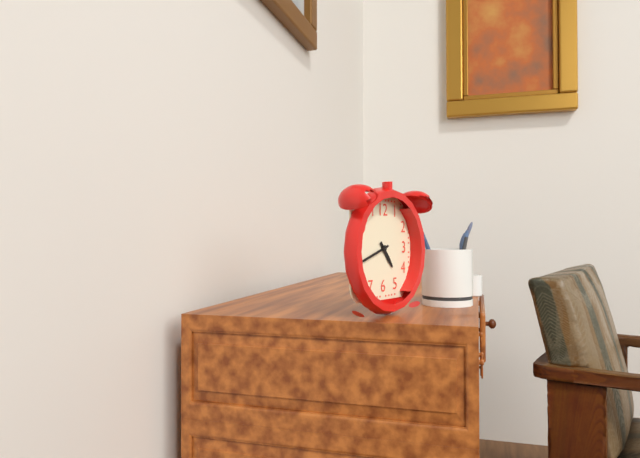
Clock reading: 4.42
